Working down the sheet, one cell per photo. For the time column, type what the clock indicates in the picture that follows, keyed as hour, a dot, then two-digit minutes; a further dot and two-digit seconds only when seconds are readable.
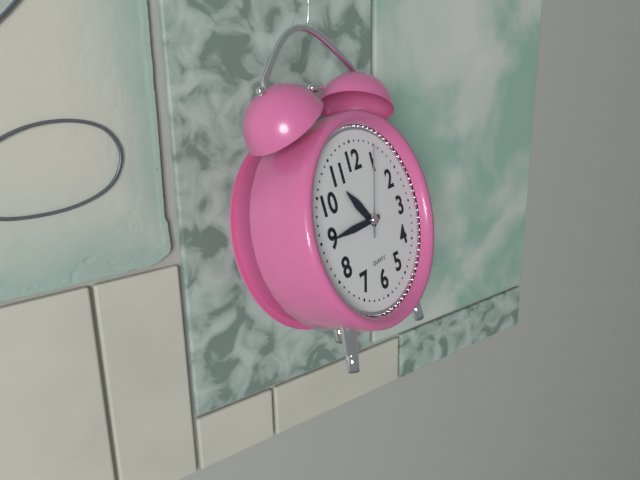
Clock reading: 10.45.04
